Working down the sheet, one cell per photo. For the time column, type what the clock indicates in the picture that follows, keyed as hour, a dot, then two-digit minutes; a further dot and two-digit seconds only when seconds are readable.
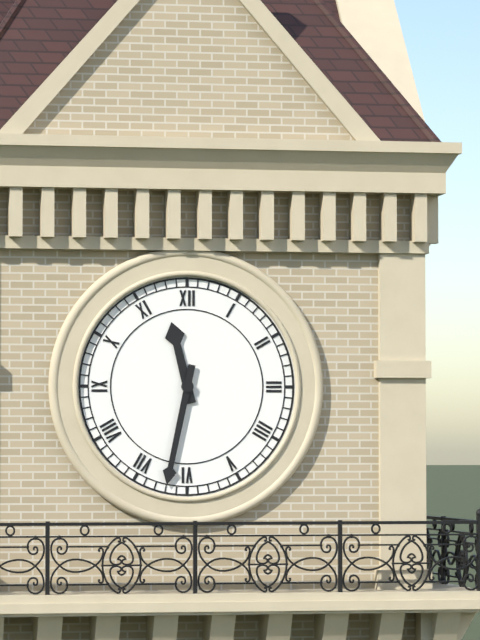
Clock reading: 11.32
